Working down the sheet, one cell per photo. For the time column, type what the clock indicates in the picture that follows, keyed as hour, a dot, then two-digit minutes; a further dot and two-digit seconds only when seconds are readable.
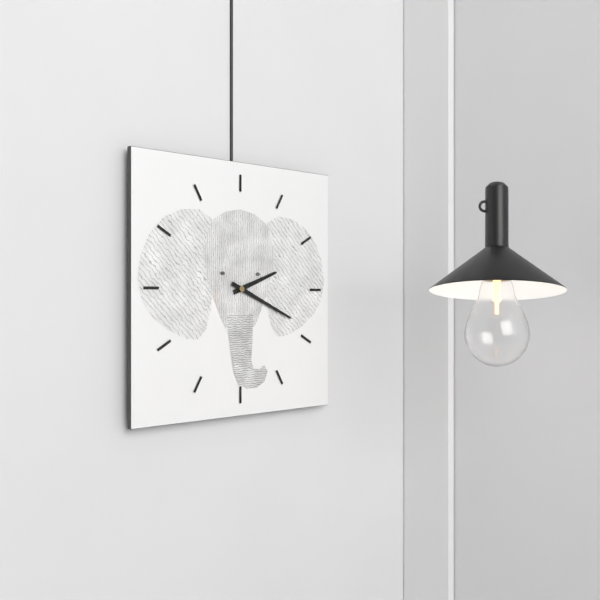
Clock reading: 2.19
